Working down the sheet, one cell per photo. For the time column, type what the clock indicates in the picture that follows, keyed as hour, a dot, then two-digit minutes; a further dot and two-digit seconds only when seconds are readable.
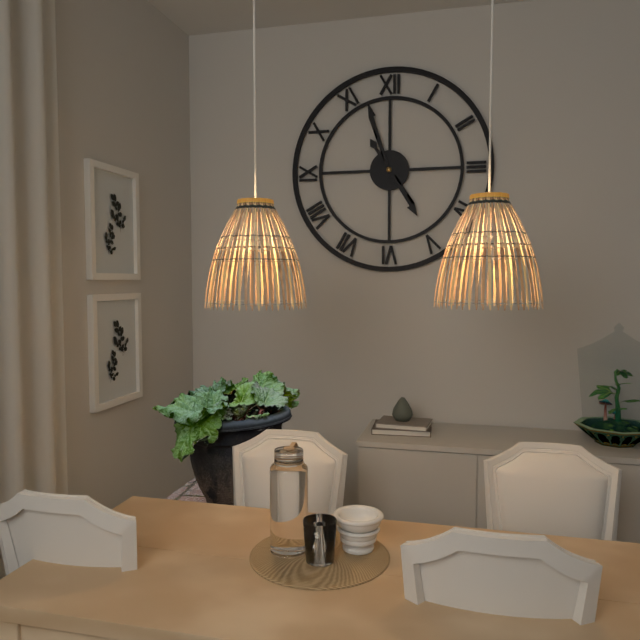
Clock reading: 4.57
